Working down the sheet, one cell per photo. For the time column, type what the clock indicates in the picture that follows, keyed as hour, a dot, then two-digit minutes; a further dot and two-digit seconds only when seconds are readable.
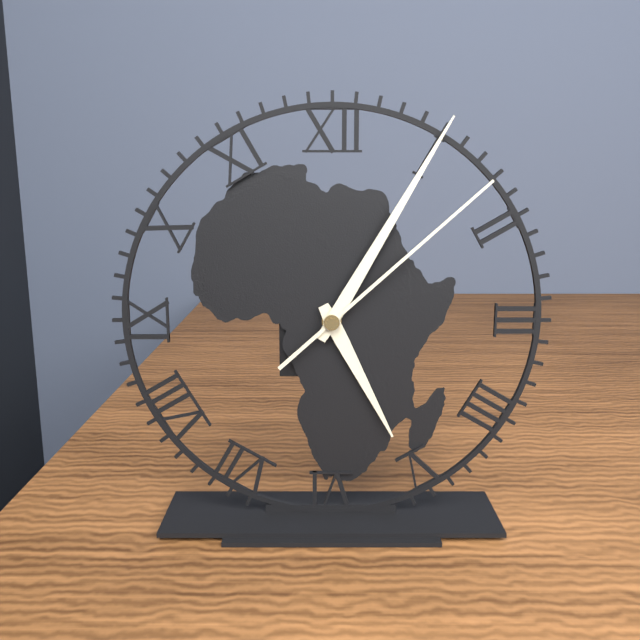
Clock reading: 5.05.08
